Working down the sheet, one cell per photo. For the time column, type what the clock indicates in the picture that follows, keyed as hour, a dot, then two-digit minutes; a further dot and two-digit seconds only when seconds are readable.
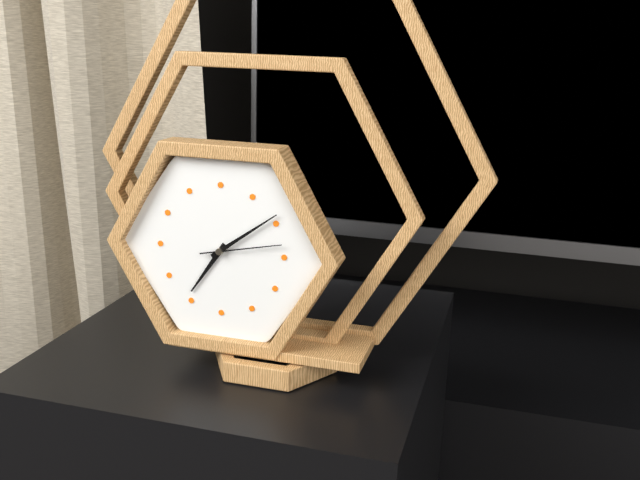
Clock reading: 7.09.13
